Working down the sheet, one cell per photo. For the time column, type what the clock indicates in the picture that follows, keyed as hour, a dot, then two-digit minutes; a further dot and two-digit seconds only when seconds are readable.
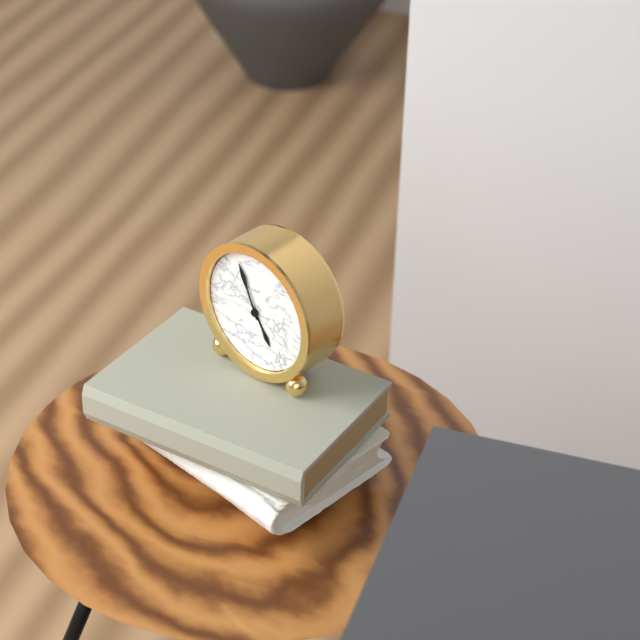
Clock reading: 4.56
